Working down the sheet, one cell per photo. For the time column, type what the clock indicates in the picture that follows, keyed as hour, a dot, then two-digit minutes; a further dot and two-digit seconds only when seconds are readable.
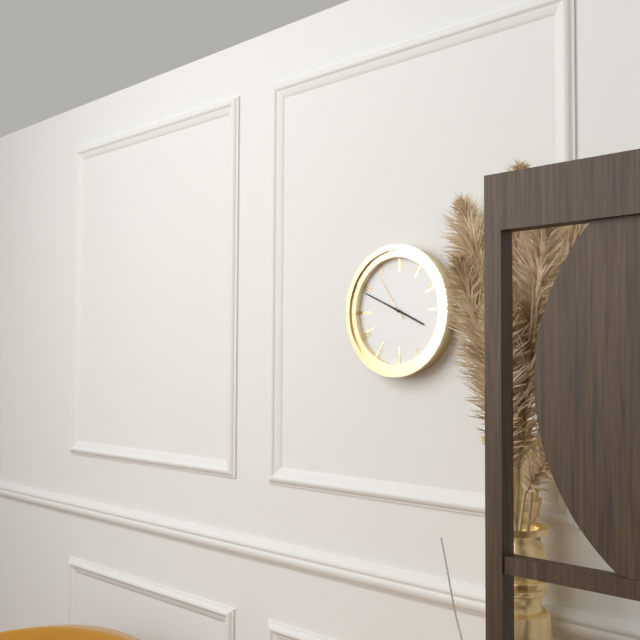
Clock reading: 3.49
